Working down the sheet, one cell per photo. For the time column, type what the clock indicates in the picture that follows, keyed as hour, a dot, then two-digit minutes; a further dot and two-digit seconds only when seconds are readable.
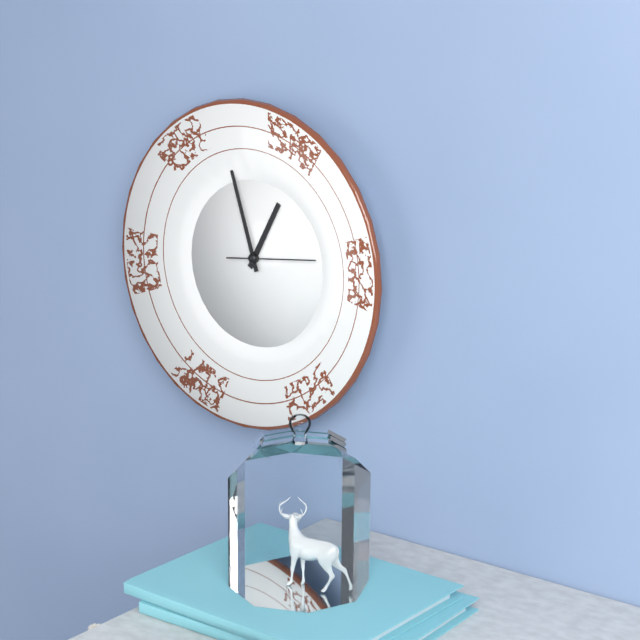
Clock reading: 12.57.14
